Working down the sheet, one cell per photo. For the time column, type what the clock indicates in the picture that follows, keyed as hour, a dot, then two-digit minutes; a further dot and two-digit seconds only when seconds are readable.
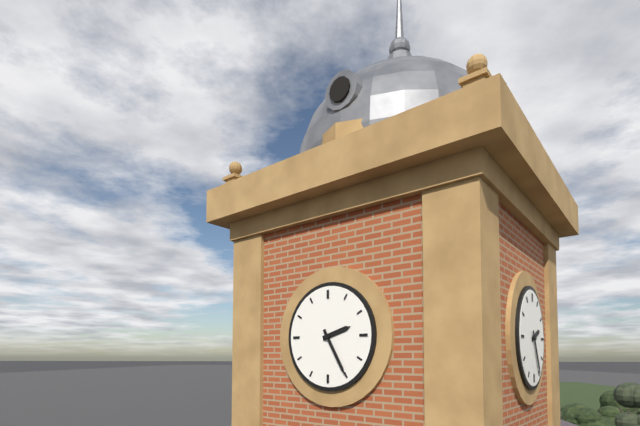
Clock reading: 2.25
